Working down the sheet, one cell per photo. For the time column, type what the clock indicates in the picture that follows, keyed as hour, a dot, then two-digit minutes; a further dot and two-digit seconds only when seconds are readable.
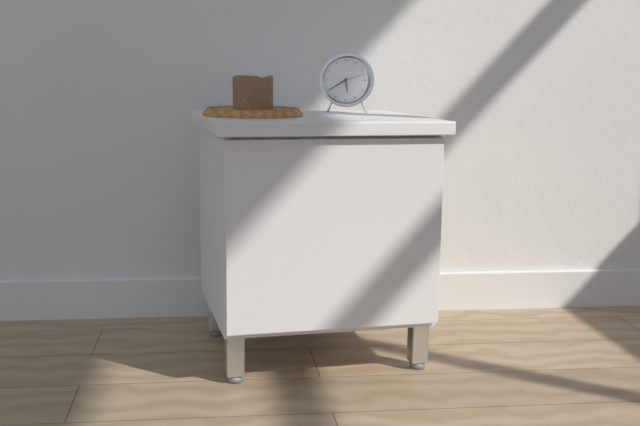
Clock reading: 5.40
